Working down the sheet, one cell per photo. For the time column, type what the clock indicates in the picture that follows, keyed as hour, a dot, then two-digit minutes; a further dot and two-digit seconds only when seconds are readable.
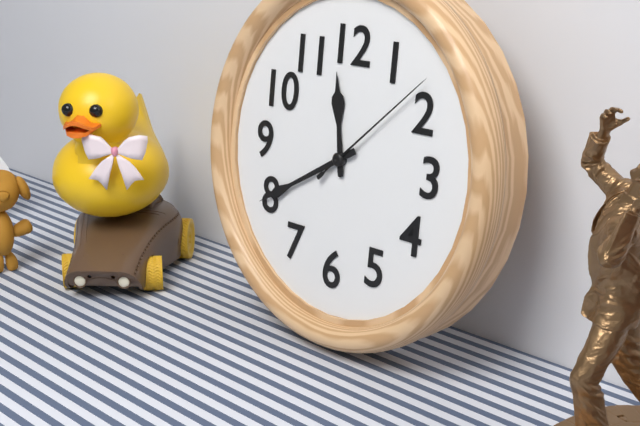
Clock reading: 11.40.08
